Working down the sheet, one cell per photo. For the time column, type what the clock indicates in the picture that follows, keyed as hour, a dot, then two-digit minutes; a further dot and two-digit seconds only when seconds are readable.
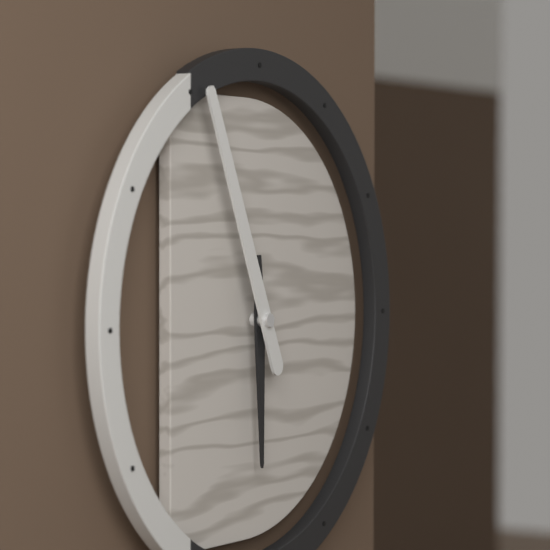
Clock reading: 5.56
